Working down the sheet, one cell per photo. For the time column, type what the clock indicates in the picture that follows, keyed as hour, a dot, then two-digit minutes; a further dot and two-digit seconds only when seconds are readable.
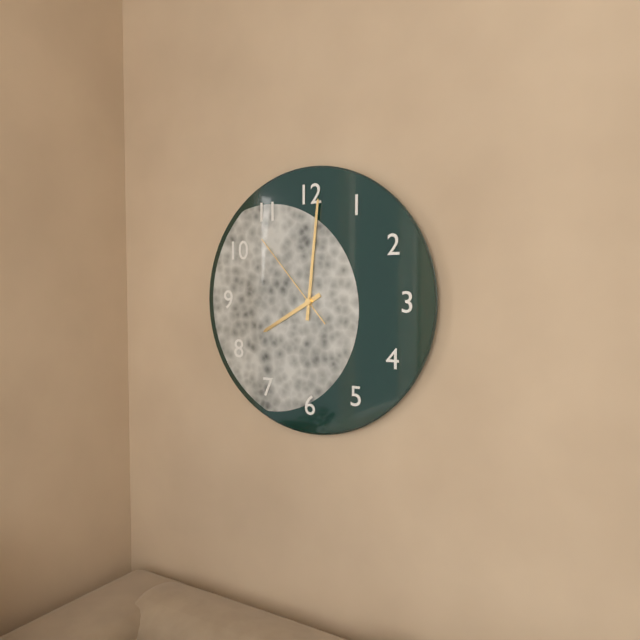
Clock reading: 8.01.53
